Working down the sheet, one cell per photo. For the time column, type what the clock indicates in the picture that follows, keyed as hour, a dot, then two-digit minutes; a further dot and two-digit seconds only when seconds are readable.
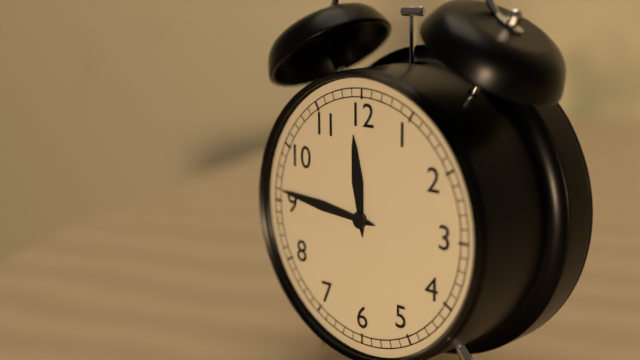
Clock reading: 11.46
